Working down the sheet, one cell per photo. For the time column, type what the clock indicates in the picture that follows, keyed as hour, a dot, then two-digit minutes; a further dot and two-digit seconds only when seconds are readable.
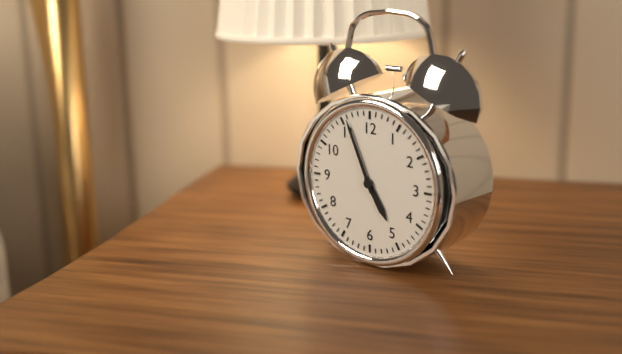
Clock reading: 4.56
